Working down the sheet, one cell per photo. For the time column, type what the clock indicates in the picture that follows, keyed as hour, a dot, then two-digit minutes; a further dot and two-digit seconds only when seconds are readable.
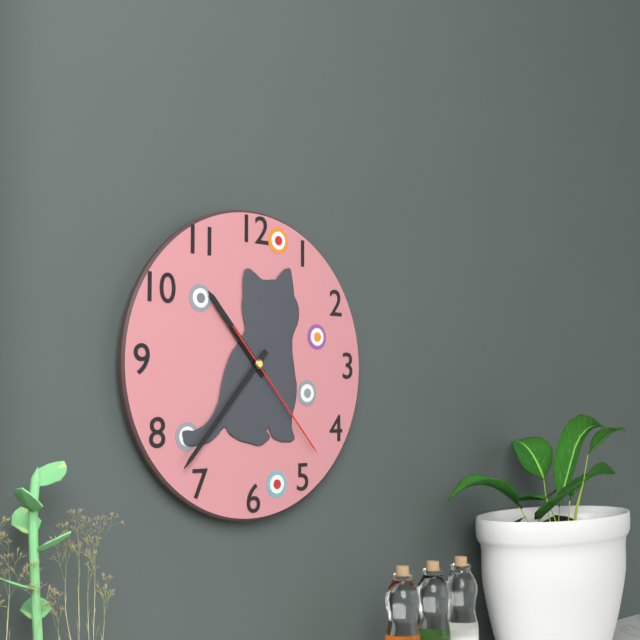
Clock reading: 10.37.23
